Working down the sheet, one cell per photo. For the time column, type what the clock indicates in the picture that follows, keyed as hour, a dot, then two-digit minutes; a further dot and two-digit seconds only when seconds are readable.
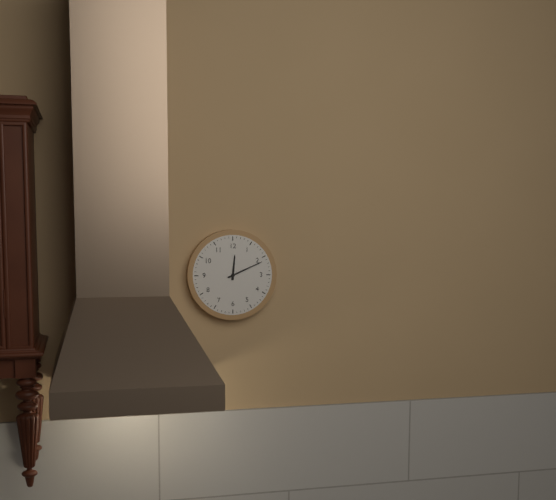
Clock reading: 12.11
